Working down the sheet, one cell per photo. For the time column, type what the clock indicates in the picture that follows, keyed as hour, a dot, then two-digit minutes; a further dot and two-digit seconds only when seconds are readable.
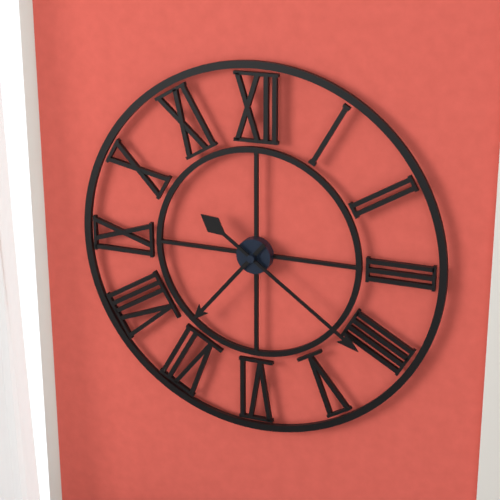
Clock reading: 7.21
